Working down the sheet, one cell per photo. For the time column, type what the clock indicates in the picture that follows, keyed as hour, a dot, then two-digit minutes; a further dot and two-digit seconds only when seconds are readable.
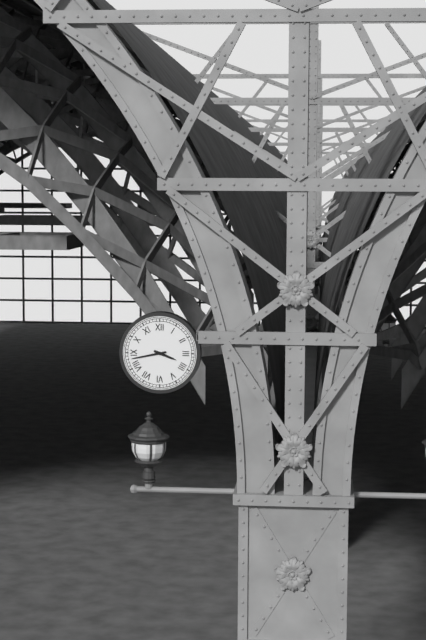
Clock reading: 3.43
